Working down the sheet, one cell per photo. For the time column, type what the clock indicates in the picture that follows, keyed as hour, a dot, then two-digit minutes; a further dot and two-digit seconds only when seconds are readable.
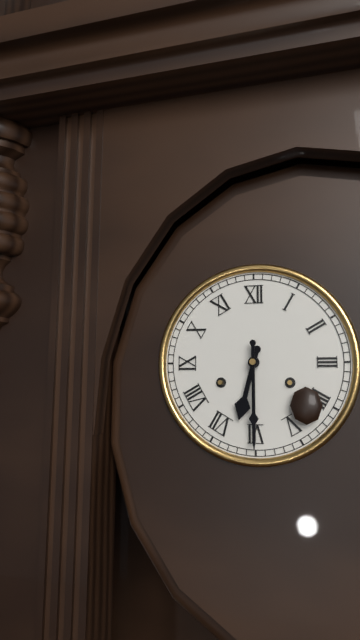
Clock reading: 6.30
